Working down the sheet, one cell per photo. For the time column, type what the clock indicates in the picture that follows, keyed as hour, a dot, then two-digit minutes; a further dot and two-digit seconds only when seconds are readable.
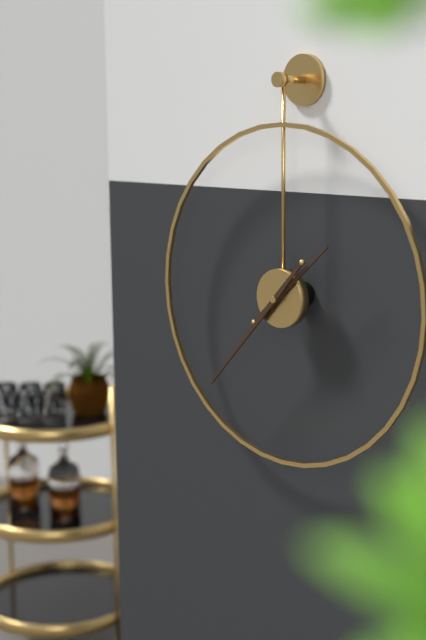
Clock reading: 1.37
